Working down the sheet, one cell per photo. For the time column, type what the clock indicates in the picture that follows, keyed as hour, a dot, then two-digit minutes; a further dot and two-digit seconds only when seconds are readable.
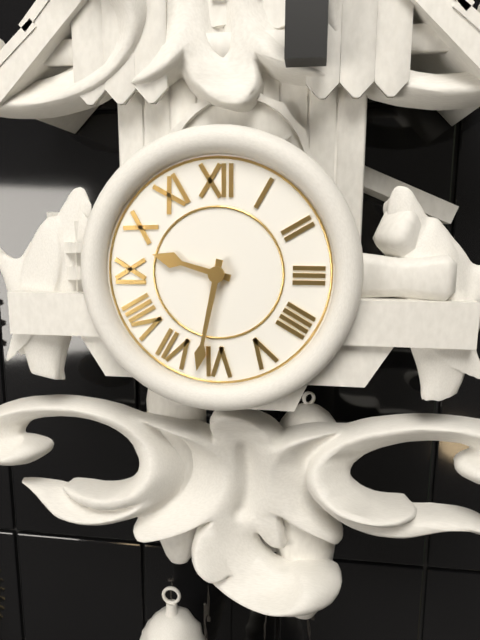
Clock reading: 9.32
